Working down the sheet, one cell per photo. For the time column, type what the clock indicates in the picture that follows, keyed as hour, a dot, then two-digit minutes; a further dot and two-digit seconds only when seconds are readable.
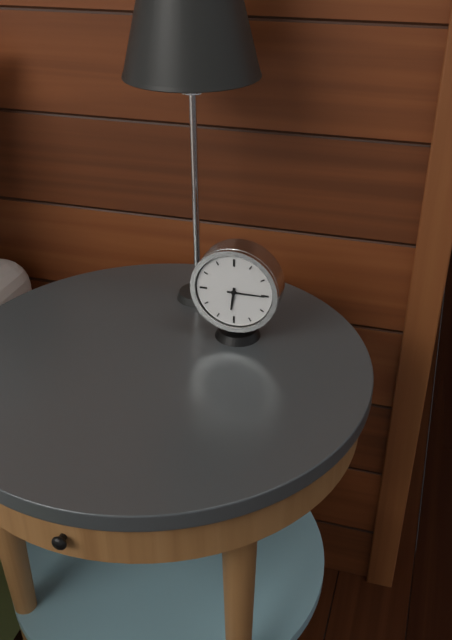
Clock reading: 6.15
